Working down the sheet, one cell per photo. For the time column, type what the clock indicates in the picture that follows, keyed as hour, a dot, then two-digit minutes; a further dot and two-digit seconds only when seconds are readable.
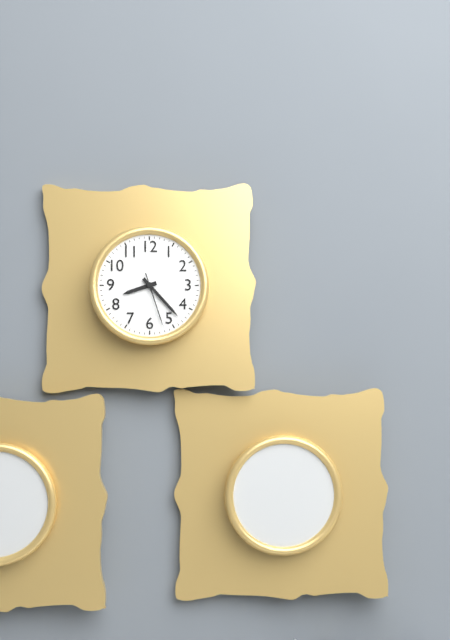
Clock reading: 8.23.27
